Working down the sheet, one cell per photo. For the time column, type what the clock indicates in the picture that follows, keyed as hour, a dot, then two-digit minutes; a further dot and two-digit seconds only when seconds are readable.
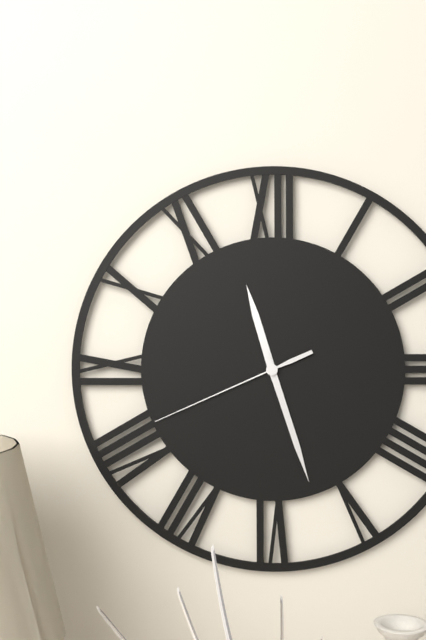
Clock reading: 11.27.41
